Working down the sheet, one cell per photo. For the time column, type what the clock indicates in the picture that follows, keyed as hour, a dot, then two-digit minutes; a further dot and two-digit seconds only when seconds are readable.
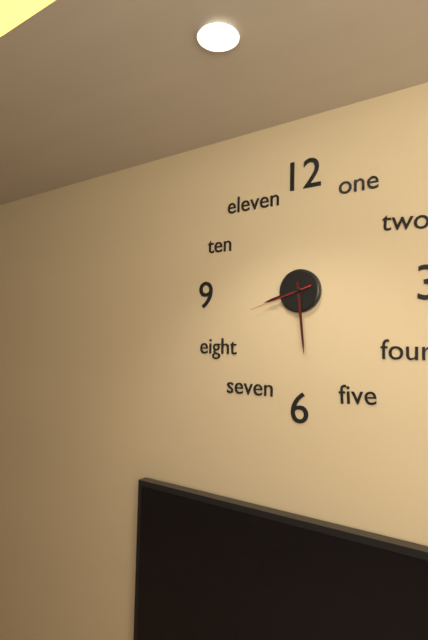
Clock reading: 8.29.42
